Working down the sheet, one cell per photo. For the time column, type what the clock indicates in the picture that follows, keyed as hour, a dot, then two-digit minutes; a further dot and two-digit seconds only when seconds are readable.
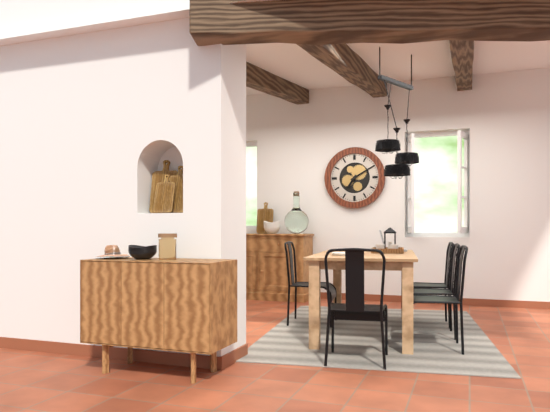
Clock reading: 7.10
